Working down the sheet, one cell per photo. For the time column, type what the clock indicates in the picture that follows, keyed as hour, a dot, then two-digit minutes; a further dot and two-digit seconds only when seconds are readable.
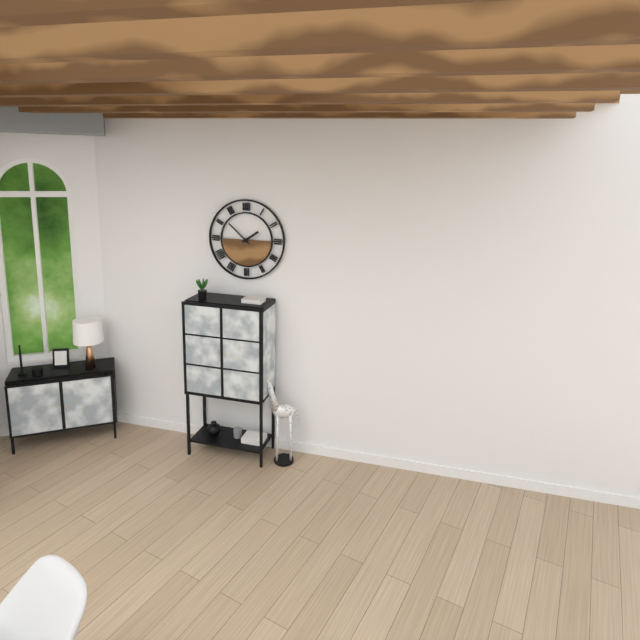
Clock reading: 1.52
